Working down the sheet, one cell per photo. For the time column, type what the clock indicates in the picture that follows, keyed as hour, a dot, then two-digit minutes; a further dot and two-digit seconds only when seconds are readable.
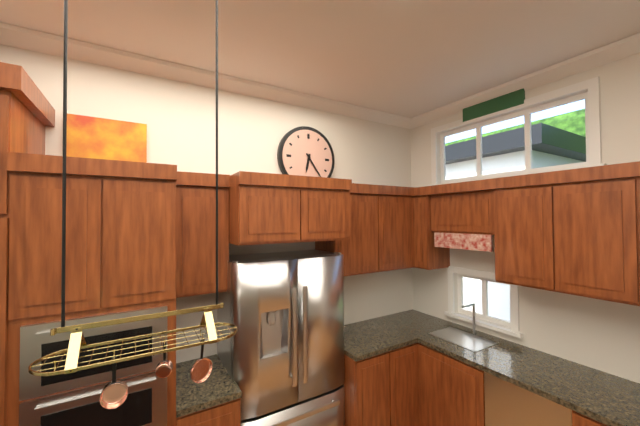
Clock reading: 6.24
